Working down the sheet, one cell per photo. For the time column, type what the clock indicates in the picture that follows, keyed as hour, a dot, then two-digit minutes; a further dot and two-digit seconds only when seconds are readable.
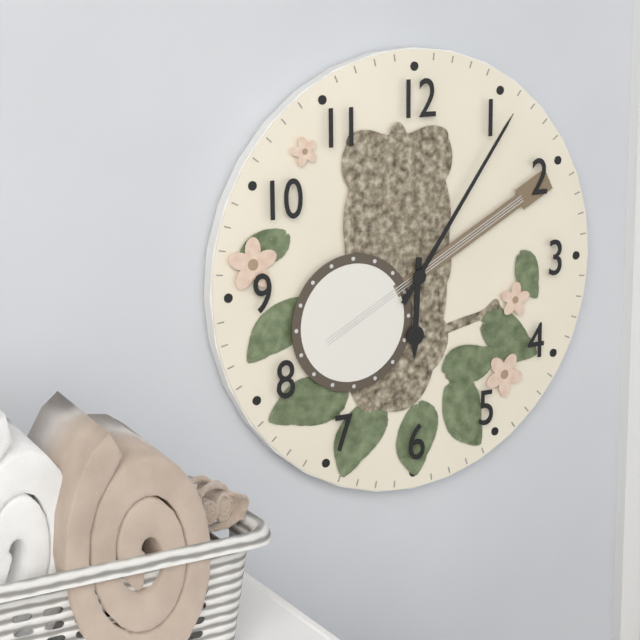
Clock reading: 6.06
